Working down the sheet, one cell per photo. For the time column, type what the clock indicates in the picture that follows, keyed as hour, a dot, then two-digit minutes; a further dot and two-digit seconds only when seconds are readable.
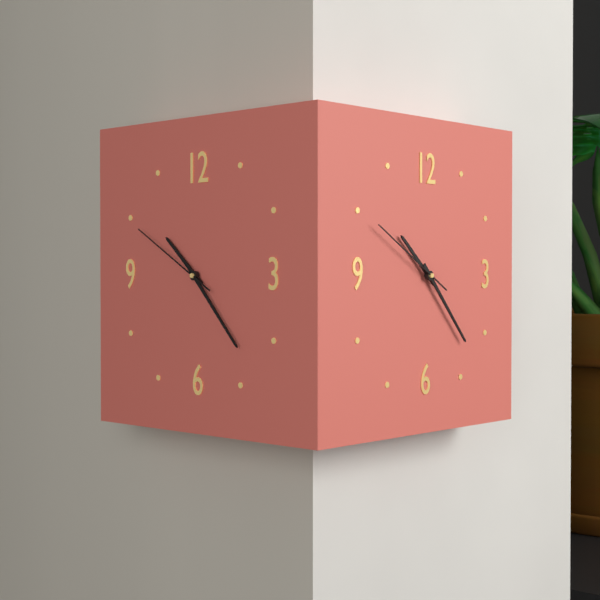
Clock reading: 10.23.50
